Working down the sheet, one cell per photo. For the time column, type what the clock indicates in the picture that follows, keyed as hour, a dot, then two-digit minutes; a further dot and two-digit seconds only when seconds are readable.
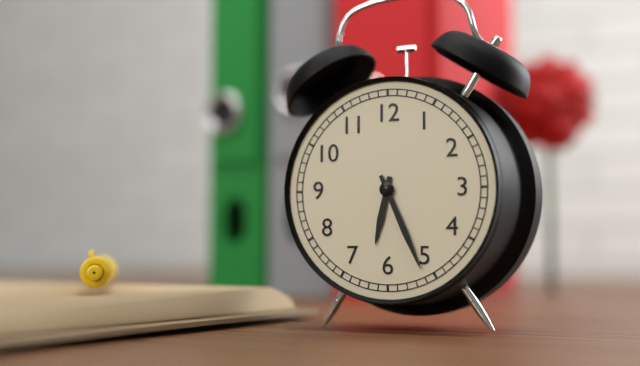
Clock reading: 6.26
